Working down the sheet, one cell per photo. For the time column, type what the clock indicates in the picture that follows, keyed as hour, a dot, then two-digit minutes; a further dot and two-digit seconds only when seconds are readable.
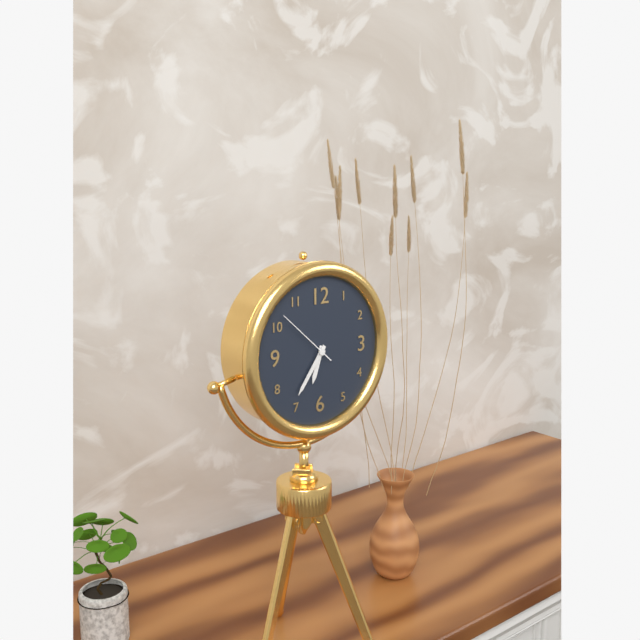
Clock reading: 6.36.52
